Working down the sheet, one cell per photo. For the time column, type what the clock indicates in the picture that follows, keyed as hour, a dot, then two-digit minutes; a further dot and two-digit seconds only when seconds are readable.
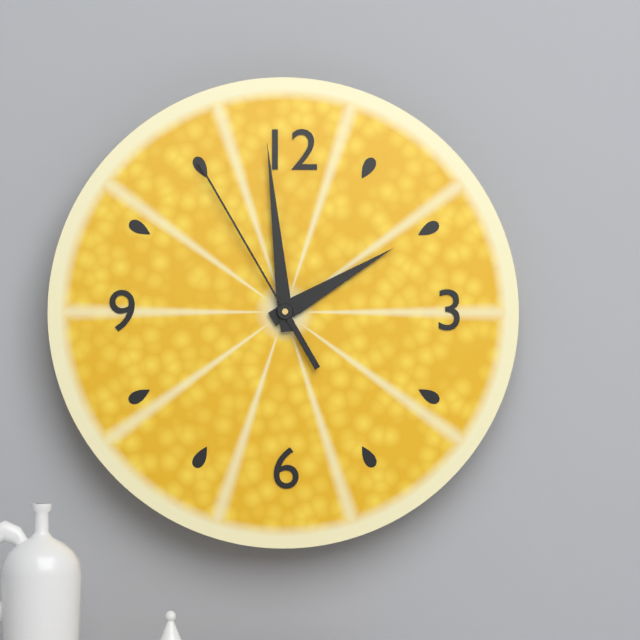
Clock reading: 1.59.55
